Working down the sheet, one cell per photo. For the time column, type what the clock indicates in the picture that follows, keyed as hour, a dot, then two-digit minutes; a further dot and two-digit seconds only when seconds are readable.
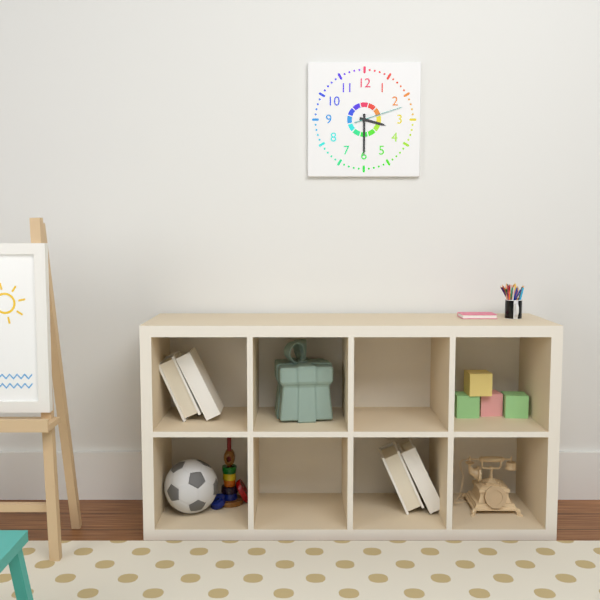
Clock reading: 3.30.12
